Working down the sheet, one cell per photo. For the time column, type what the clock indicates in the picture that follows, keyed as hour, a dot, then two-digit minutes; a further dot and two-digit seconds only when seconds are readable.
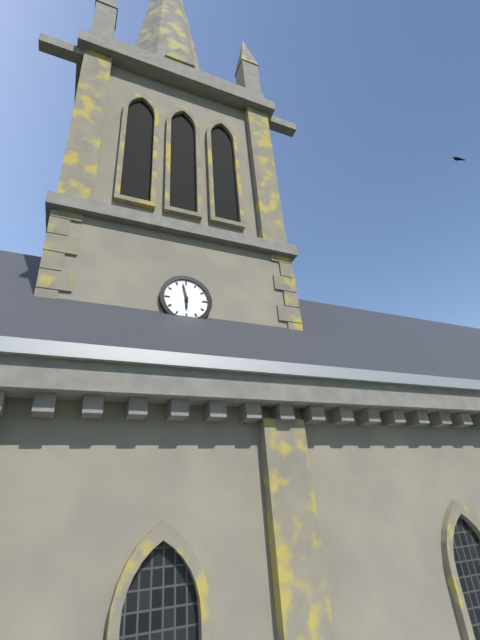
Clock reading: 5.58
